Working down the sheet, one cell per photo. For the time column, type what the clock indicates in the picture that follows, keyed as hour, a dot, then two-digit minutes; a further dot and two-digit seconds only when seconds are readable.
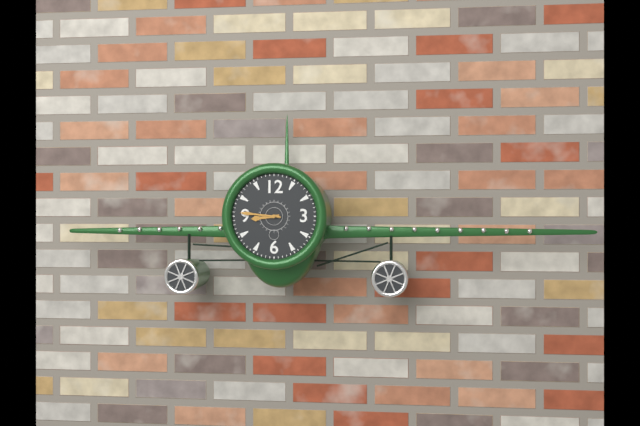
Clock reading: 8.46
